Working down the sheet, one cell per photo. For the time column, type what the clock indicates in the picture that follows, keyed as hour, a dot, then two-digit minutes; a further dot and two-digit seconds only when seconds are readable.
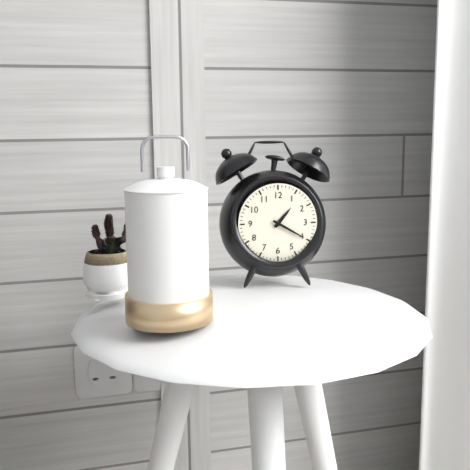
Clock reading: 1.20
